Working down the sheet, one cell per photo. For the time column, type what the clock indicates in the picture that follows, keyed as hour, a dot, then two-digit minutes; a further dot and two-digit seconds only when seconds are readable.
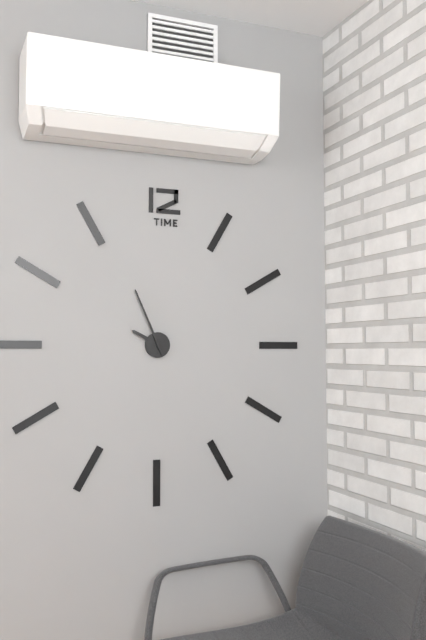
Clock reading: 9.56
